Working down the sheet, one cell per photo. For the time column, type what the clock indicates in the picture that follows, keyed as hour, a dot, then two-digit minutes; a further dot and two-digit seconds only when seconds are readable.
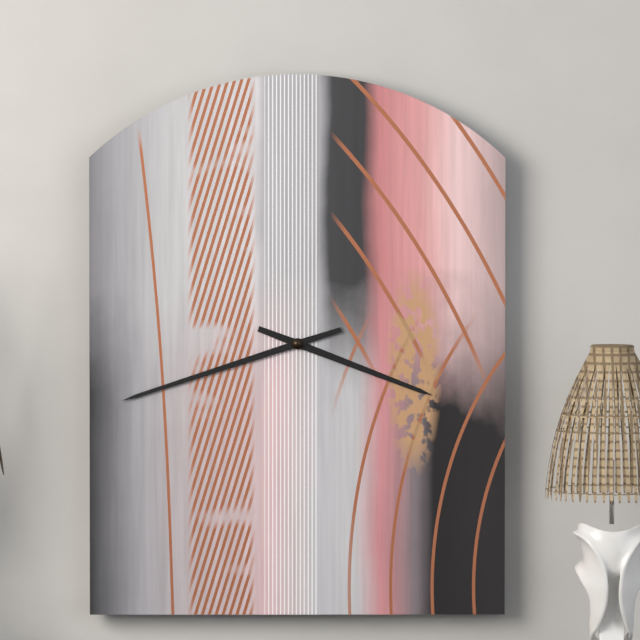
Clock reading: 3.42
